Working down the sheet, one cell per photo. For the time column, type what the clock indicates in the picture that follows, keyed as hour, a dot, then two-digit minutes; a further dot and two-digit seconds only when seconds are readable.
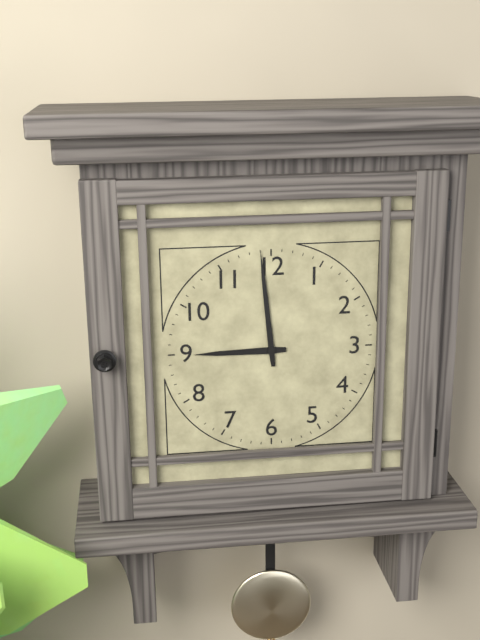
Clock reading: 8.59
